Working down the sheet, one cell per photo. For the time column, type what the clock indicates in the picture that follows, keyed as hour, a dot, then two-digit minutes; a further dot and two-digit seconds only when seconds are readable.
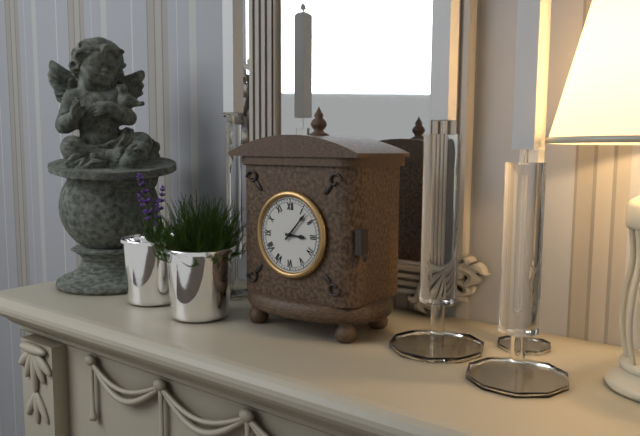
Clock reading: 3.07
